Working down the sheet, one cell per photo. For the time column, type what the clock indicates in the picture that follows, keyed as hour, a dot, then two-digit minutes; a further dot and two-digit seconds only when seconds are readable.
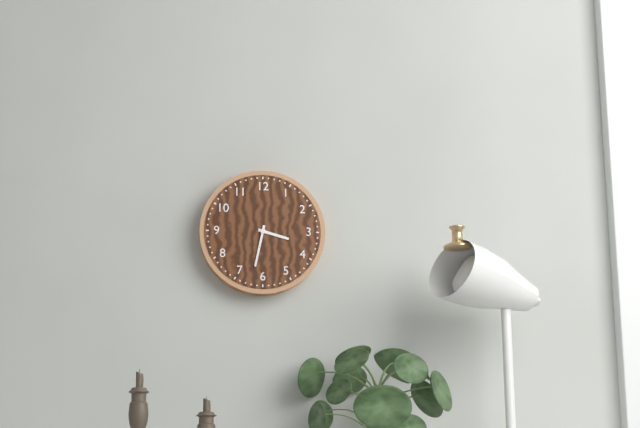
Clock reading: 3.32
